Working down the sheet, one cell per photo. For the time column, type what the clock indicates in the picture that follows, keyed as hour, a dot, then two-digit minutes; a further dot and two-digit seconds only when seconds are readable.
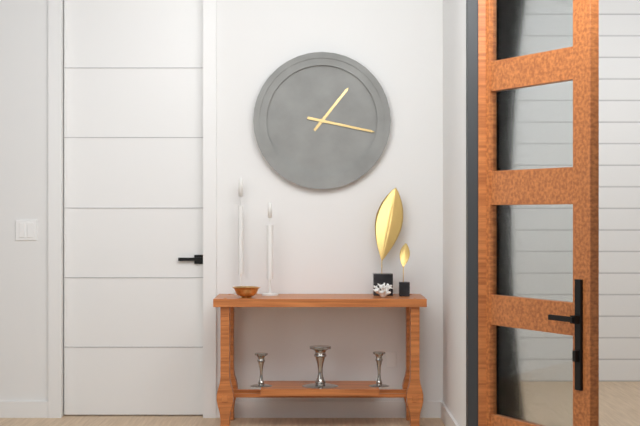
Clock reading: 1.17
